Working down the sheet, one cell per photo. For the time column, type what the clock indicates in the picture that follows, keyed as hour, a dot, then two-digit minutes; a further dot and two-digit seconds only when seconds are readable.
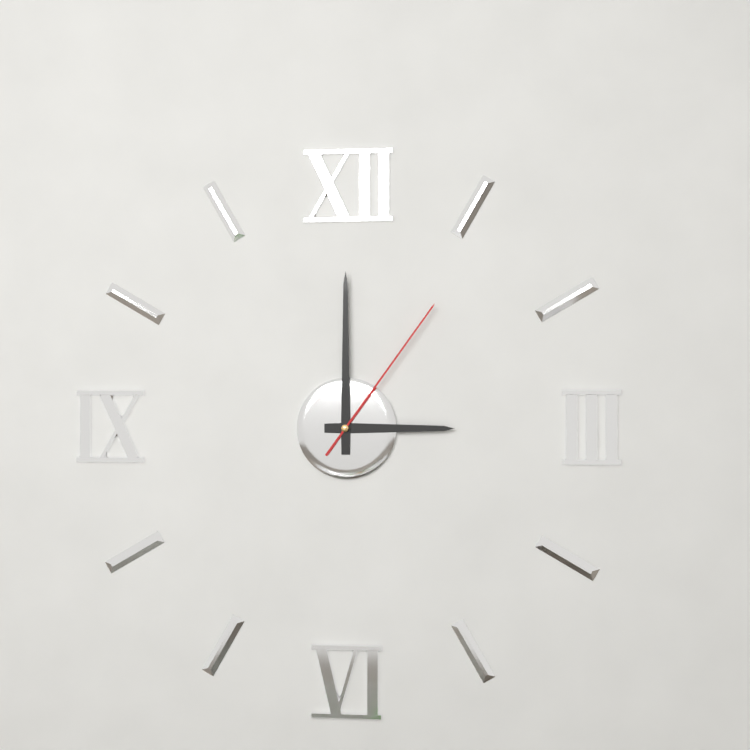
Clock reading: 3.00.06
